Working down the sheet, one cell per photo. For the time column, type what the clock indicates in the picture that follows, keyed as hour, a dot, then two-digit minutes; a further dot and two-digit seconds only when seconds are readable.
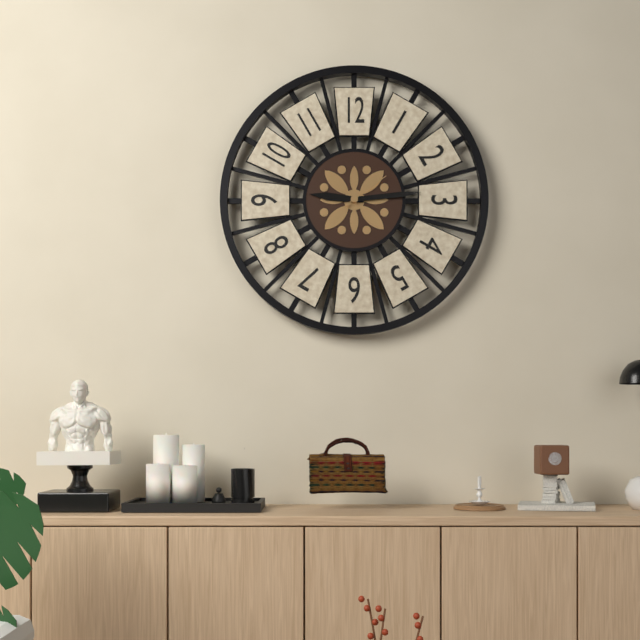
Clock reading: 9.14.09
